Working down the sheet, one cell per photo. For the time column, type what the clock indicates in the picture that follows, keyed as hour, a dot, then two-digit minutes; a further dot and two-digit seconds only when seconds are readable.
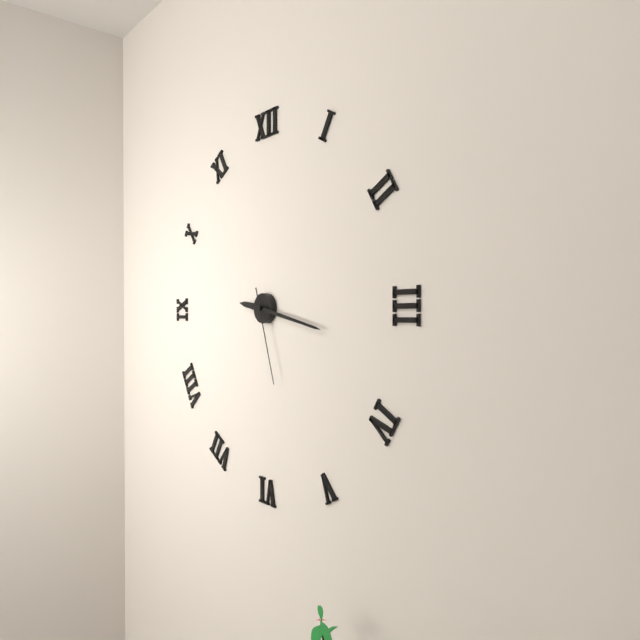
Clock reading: 9.17.27
